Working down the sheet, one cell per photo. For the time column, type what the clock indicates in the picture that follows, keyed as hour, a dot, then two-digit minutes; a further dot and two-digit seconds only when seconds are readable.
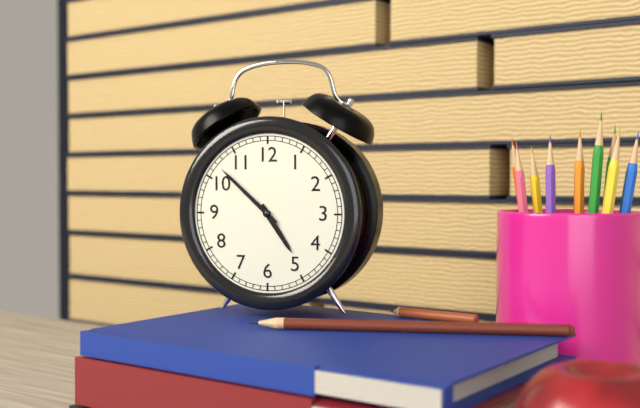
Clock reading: 4.52
